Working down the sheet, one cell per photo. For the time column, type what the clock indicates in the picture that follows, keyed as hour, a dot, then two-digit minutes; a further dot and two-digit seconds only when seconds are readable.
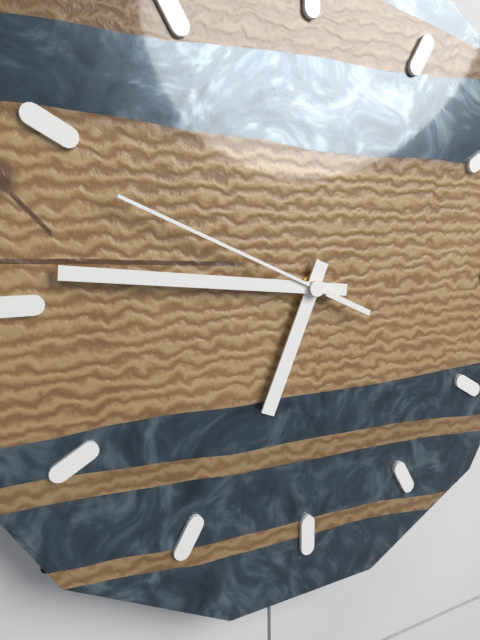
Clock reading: 6.46.49
